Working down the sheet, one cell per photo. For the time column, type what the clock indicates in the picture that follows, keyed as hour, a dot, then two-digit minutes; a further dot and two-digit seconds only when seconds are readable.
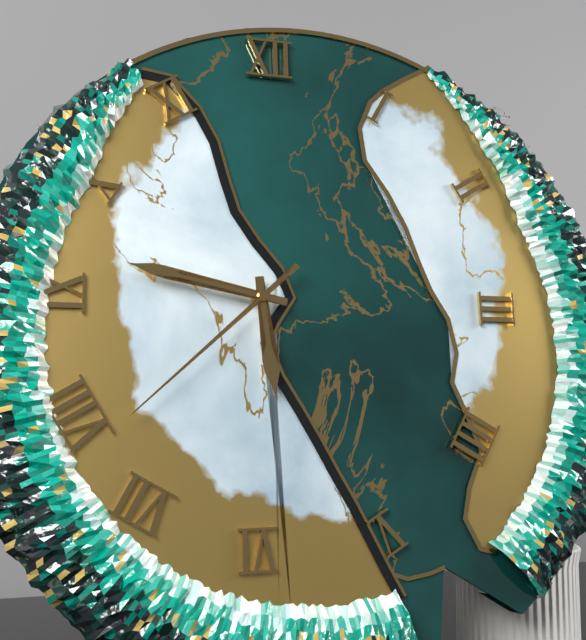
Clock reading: 5.47.38
